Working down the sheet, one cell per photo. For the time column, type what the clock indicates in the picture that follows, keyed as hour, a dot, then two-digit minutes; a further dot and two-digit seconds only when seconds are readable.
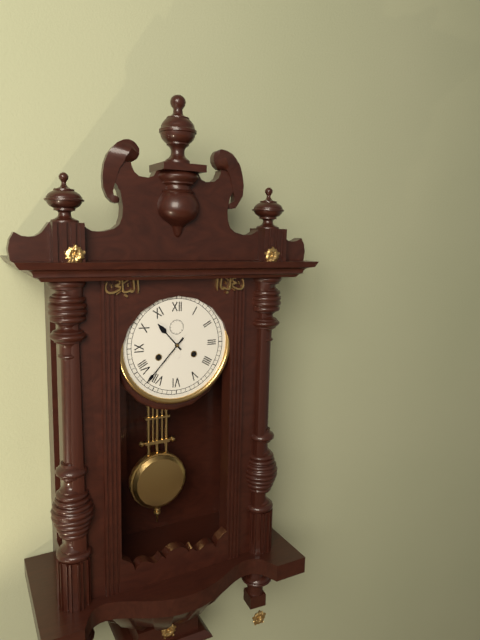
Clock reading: 10.37
